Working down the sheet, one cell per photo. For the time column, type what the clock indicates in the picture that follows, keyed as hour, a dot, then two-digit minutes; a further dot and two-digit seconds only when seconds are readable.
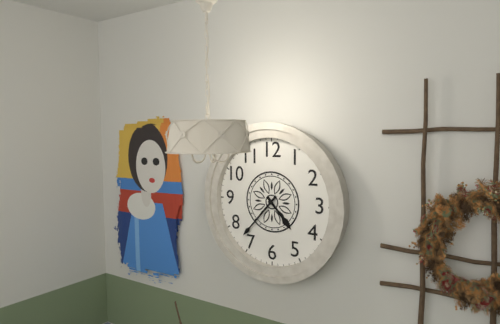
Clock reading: 4.37
